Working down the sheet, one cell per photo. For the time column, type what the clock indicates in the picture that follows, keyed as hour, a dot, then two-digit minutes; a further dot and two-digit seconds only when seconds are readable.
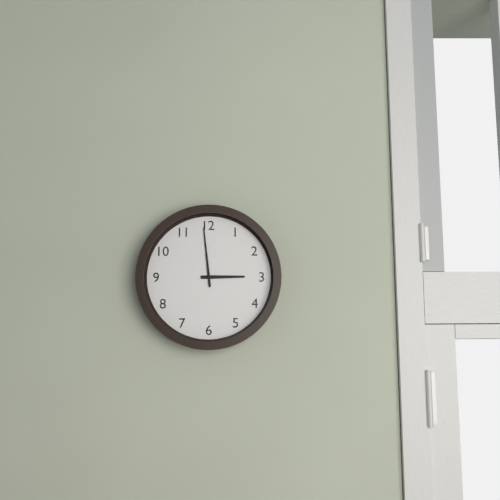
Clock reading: 2.59
